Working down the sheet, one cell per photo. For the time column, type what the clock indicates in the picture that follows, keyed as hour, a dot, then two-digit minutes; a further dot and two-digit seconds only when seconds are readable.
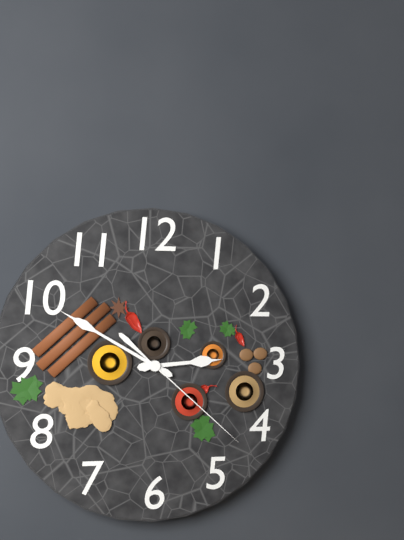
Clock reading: 2.50.22
